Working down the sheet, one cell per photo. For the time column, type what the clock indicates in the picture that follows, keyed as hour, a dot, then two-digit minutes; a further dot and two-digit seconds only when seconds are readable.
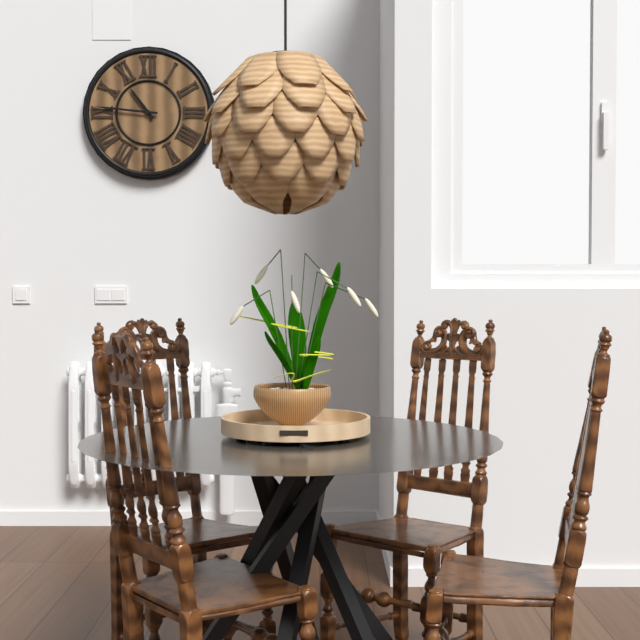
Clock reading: 10.46
